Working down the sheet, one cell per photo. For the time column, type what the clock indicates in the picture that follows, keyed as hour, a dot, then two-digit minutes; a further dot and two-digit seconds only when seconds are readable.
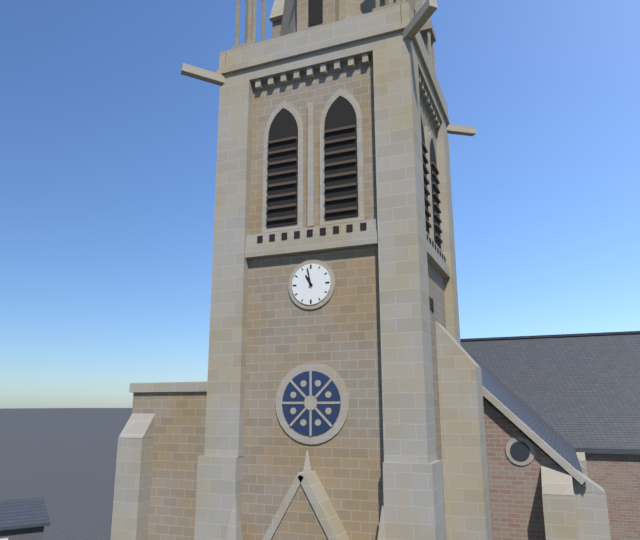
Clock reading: 10.58
